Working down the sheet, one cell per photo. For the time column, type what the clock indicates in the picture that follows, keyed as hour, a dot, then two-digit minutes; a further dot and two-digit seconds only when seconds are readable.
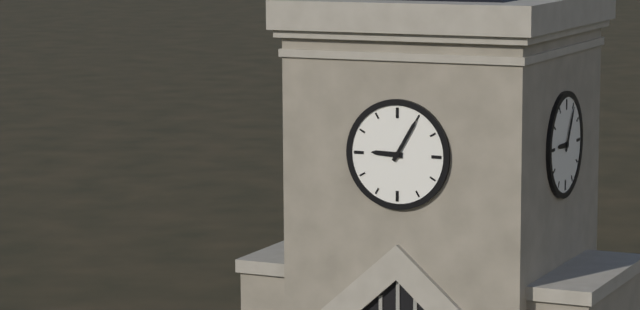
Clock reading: 9.05
